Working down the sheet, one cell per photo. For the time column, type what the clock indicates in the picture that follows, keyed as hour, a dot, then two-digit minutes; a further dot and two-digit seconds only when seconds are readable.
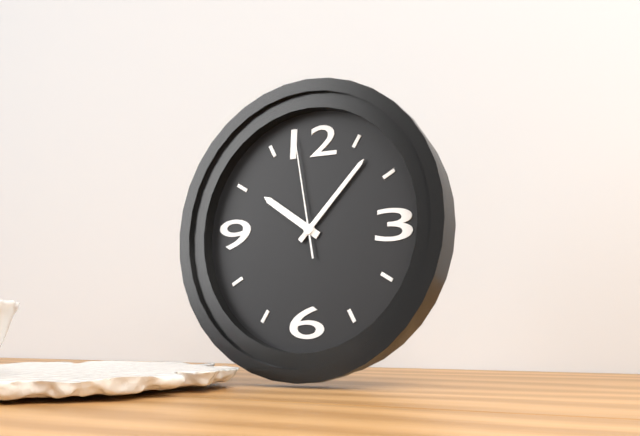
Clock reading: 10.07.58
